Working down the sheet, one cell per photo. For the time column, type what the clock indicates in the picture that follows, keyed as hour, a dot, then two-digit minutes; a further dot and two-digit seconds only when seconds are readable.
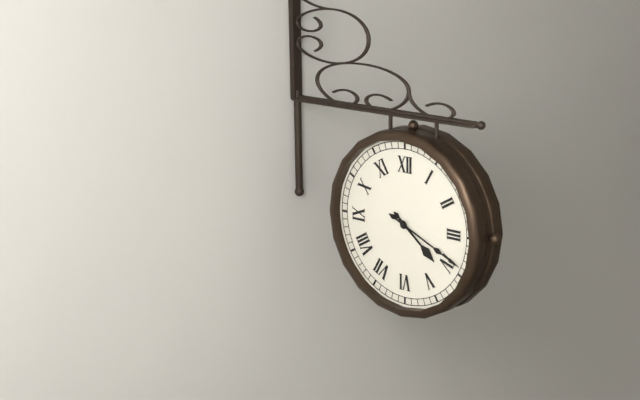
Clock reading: 4.19
